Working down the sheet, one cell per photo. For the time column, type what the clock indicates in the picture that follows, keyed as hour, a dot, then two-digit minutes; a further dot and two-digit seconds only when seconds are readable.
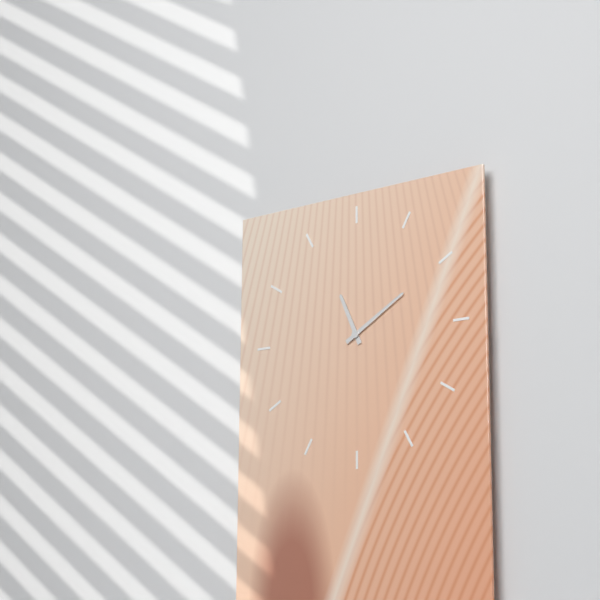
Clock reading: 11.10
